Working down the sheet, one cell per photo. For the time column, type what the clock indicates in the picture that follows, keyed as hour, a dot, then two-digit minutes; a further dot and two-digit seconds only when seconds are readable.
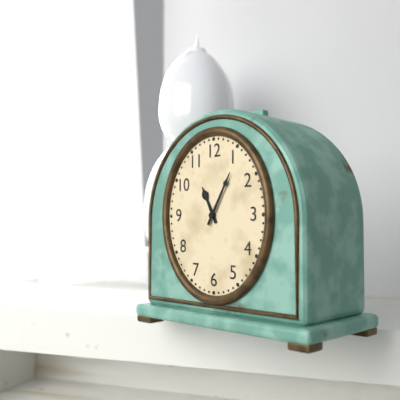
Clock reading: 11.05
